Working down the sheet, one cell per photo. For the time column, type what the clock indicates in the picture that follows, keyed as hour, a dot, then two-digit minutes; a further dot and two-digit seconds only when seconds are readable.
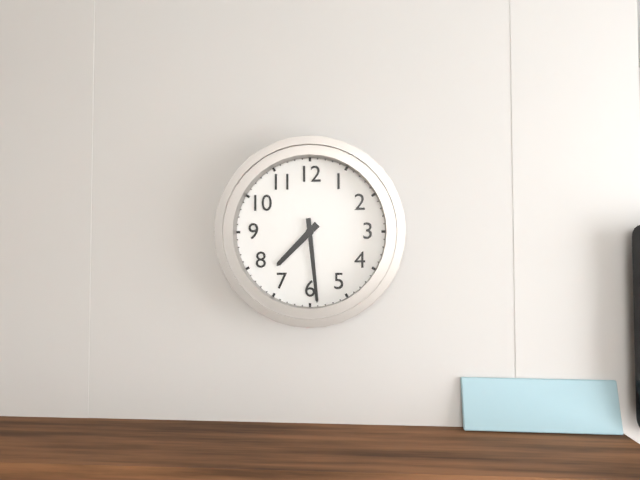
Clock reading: 7.29
